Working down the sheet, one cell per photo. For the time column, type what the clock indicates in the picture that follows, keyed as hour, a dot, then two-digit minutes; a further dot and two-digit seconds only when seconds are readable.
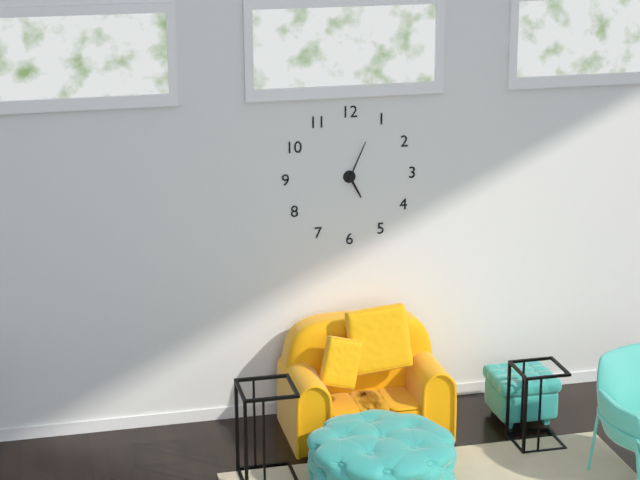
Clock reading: 5.04
